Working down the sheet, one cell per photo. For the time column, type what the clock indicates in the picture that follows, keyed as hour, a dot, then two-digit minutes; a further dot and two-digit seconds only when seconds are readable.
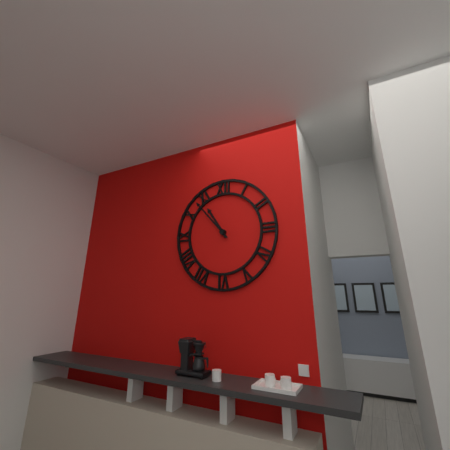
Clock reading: 10.53
